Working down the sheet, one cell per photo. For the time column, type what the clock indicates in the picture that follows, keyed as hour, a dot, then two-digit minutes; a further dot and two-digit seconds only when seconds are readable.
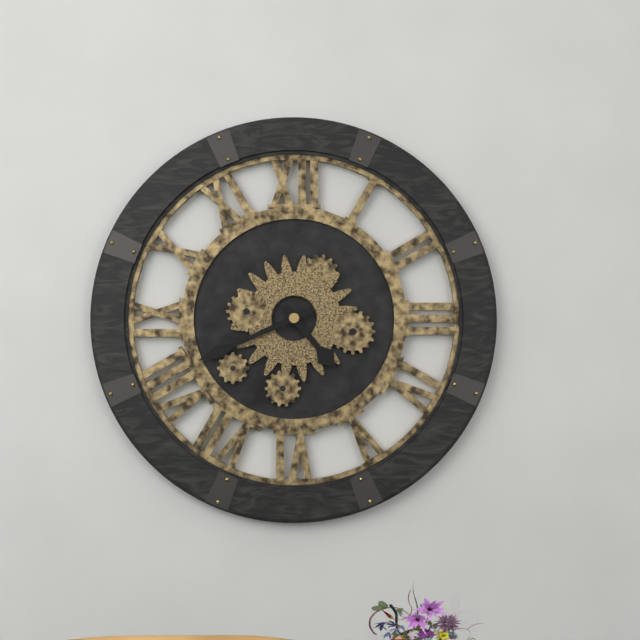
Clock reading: 4.41
